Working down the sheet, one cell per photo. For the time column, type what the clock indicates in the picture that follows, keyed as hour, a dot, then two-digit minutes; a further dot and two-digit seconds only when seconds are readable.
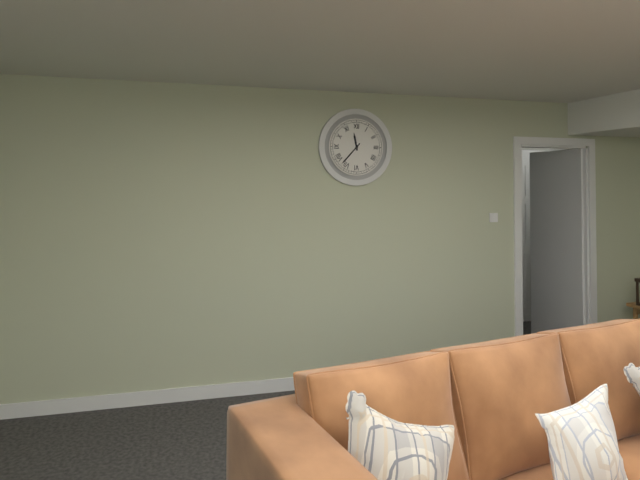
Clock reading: 11.37
